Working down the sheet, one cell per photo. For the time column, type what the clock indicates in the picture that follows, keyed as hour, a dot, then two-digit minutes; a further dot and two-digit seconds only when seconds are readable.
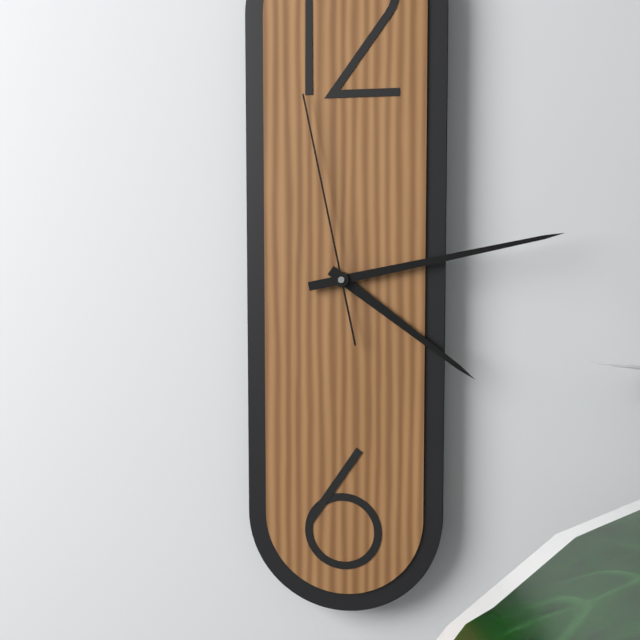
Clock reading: 4.13.58
